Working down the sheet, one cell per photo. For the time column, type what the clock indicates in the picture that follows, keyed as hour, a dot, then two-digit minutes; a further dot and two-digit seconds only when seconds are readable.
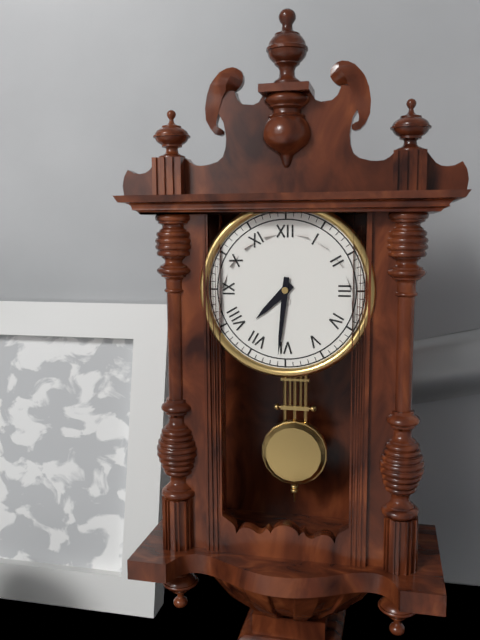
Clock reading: 7.31
